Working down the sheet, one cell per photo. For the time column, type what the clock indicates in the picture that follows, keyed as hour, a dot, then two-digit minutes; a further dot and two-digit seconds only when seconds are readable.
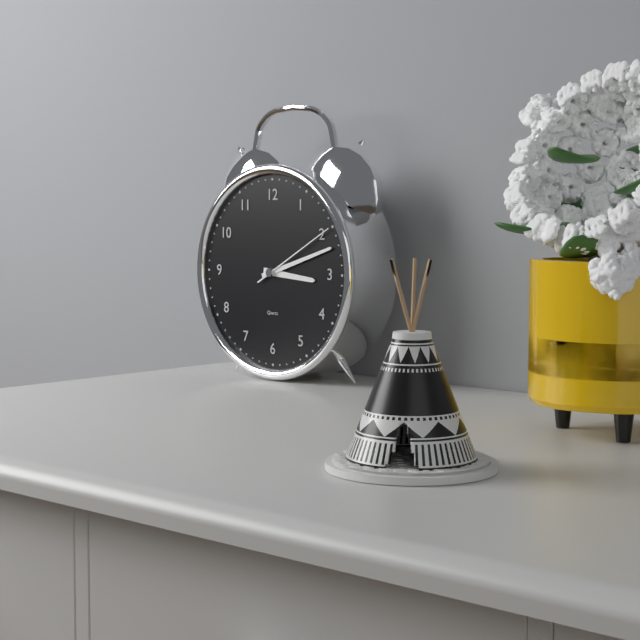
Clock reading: 3.12.10
